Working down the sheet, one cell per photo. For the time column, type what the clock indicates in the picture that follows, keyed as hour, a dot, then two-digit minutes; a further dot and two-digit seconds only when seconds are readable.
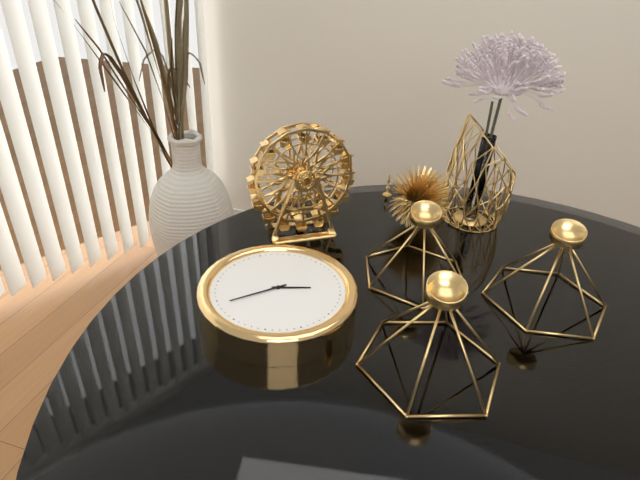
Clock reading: 2.39
